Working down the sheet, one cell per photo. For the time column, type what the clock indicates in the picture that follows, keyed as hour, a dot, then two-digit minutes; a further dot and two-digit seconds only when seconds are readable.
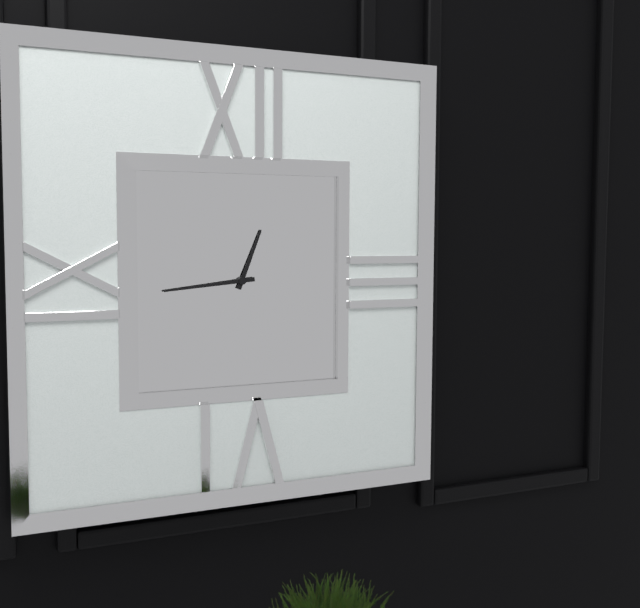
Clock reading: 12.44
